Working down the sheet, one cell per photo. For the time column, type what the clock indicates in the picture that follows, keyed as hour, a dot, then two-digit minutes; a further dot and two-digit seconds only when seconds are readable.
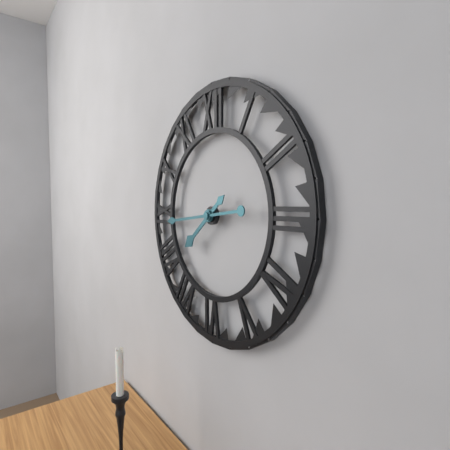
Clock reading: 7.44
